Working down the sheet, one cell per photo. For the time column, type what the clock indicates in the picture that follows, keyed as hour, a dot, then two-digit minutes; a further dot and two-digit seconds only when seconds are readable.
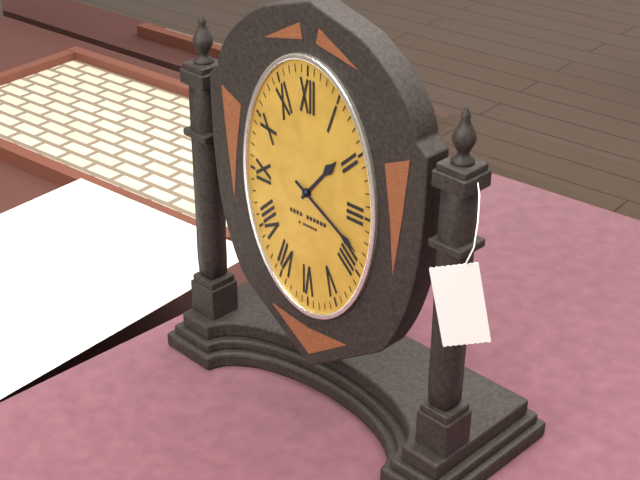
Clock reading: 1.20
